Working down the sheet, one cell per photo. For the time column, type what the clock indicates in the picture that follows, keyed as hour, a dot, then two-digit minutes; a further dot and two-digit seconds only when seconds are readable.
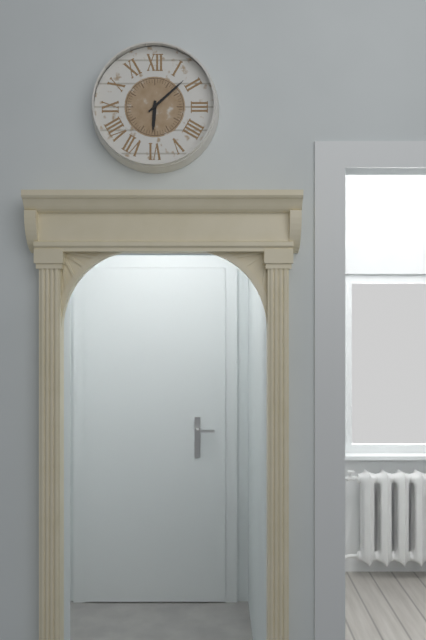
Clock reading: 6.08
